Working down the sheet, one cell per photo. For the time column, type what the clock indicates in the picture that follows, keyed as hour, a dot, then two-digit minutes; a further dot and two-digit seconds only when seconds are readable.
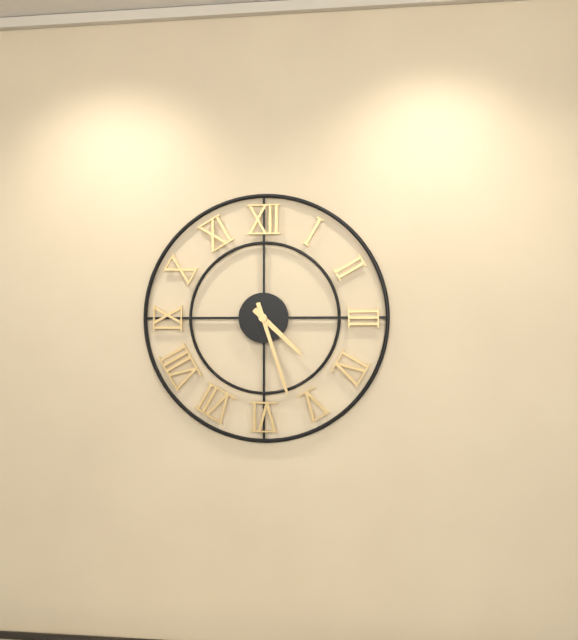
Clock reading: 4.27
